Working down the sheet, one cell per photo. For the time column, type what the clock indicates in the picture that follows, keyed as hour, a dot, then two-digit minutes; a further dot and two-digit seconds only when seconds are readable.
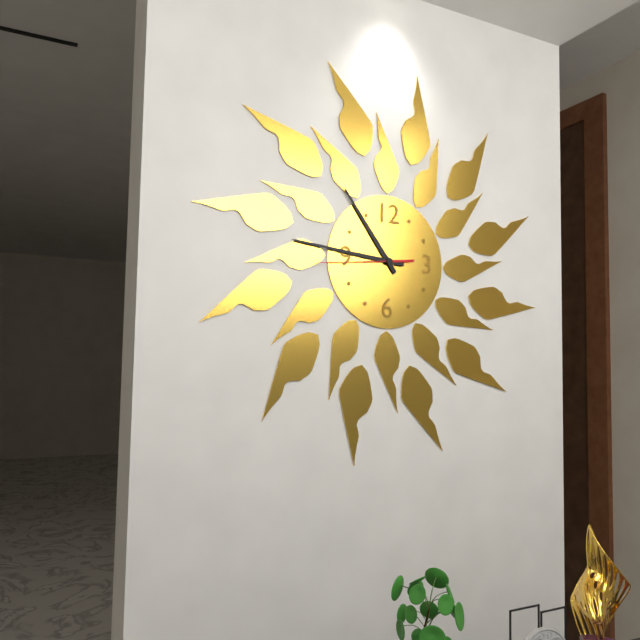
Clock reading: 10.46.44
